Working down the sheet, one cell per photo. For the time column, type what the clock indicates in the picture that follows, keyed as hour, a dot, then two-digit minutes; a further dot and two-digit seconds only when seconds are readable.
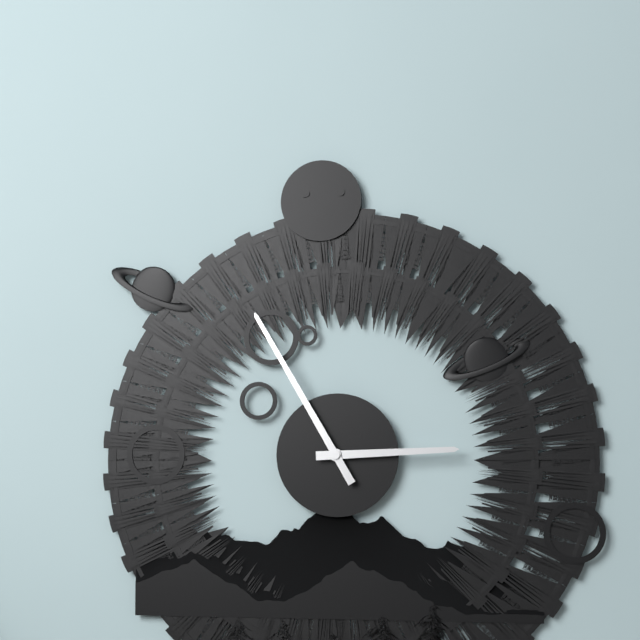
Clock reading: 2.55
